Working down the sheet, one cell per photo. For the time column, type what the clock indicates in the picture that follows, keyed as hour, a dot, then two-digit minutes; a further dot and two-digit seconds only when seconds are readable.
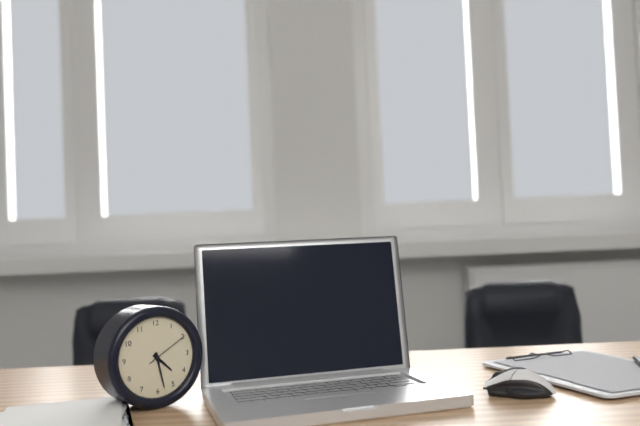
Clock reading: 4.28
